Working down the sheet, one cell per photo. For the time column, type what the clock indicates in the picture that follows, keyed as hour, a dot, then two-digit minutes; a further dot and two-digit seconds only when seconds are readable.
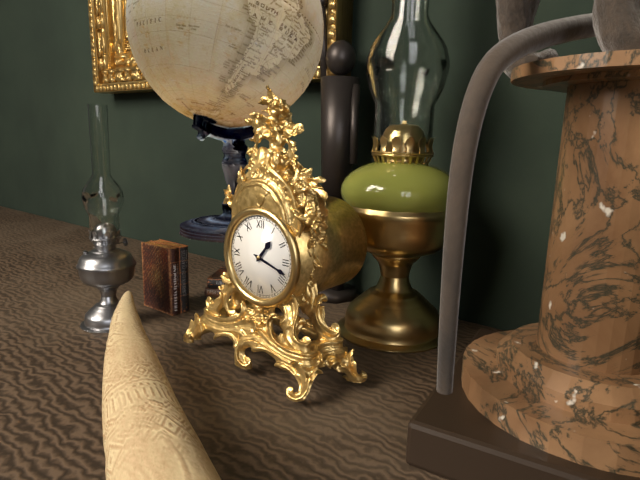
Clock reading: 1.18
